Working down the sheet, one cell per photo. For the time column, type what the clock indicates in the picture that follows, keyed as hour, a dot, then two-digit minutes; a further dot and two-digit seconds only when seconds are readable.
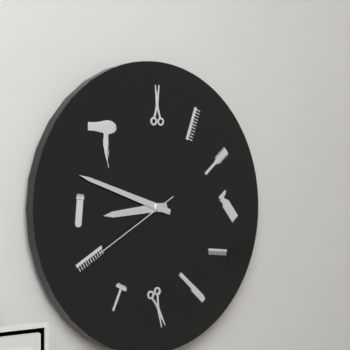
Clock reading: 8.48.40
